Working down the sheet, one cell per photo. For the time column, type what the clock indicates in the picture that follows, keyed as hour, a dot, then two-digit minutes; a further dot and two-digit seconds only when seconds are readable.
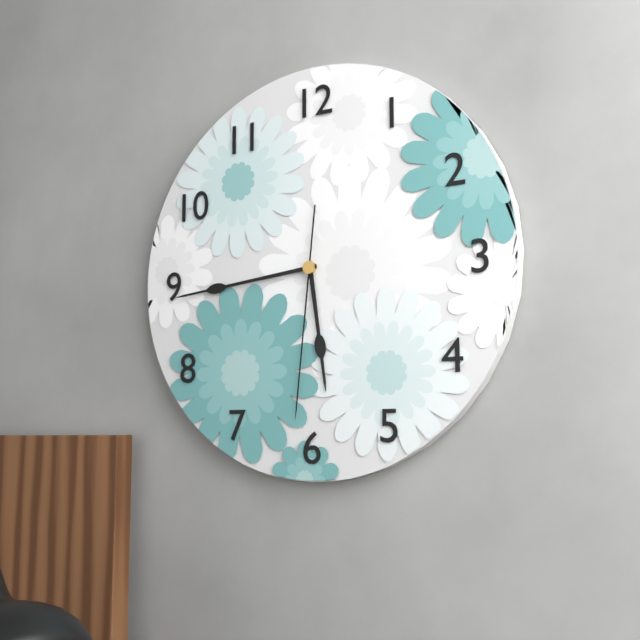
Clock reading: 5.44.31
